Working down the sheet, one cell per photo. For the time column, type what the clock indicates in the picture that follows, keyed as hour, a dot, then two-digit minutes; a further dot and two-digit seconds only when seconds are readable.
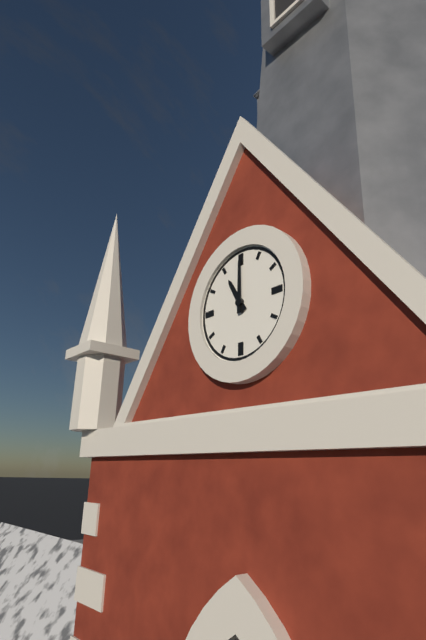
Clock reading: 11.00
